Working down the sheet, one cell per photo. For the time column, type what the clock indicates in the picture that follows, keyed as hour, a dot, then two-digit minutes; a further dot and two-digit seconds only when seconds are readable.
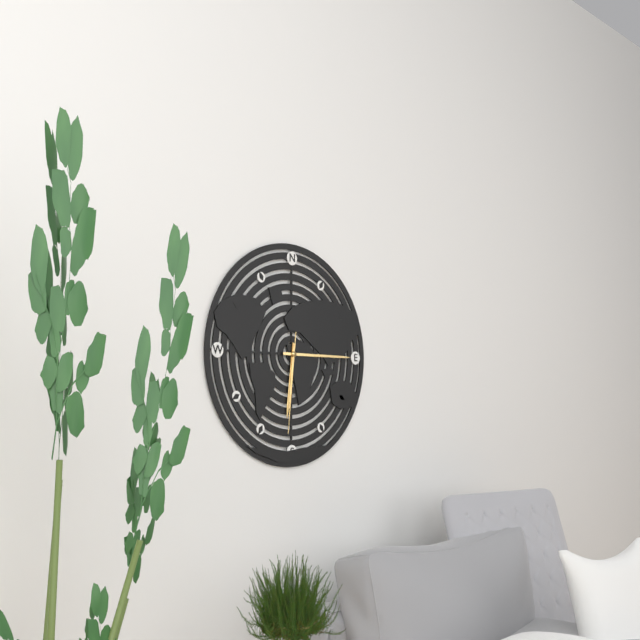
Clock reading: 6.15.31
